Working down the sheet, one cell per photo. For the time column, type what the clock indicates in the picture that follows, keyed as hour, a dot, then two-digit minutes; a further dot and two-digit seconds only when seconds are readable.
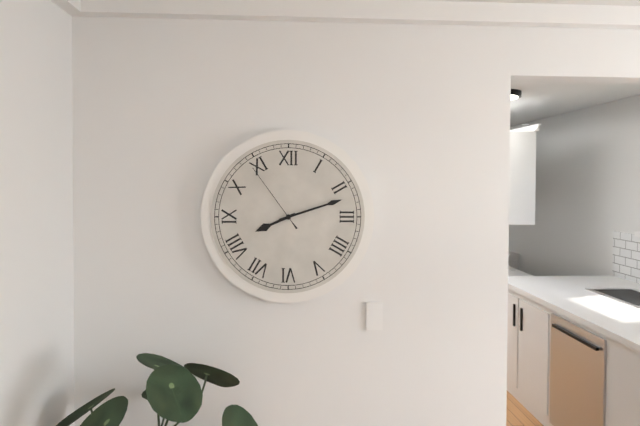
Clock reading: 8.12.54
